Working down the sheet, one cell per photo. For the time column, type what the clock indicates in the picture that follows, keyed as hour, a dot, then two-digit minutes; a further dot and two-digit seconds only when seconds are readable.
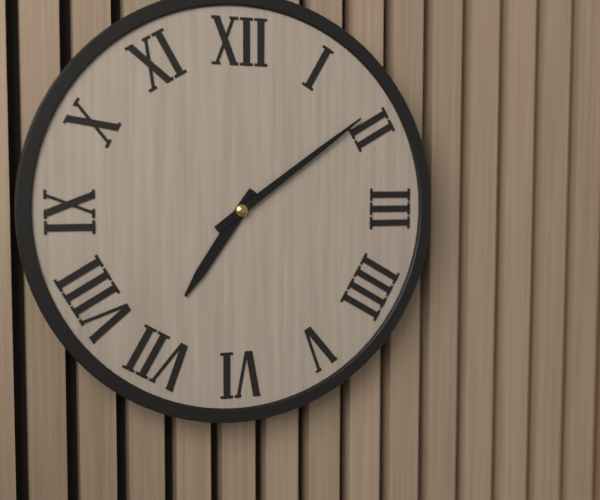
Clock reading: 7.09
